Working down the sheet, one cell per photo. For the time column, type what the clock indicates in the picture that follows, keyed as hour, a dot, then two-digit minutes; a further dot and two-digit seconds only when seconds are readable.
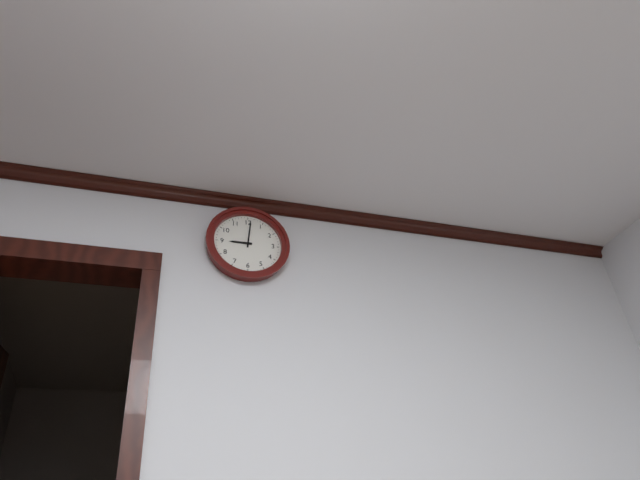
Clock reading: 9.01
